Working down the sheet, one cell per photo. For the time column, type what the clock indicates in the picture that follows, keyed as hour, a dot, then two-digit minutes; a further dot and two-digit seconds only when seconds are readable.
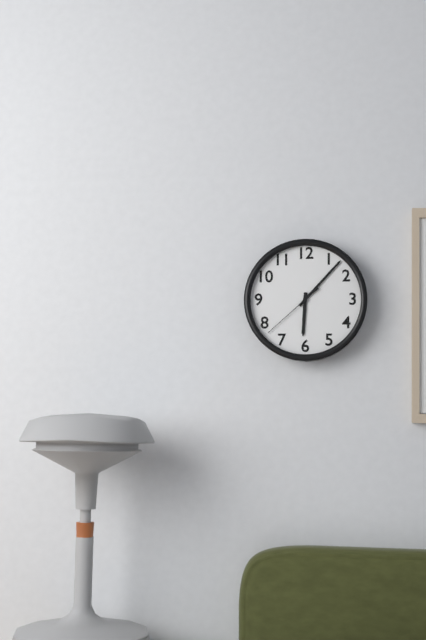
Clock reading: 6.07.38
